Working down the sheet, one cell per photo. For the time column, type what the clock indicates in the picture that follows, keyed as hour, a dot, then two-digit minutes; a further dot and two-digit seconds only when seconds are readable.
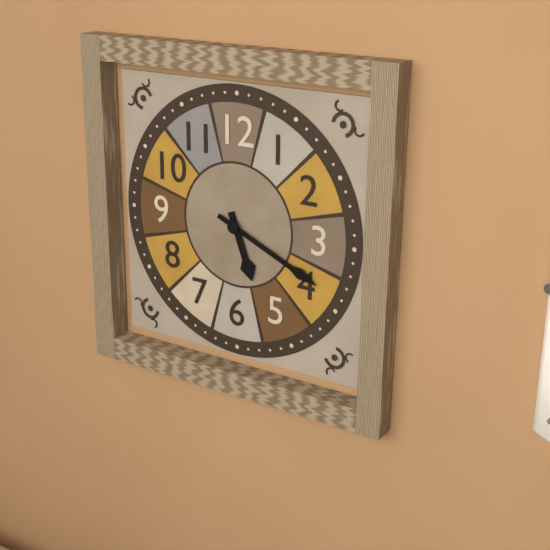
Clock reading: 5.19
